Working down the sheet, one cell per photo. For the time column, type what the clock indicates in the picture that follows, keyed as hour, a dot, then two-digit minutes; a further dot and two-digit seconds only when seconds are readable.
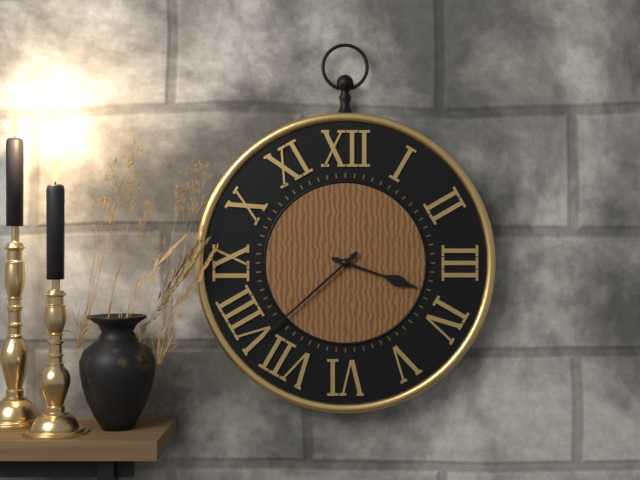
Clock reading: 3.38
